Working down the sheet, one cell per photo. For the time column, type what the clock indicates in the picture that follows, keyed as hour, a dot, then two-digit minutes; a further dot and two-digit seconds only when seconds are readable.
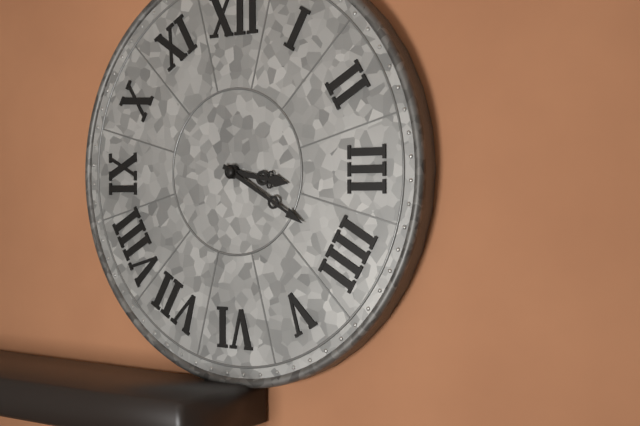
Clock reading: 3.20
